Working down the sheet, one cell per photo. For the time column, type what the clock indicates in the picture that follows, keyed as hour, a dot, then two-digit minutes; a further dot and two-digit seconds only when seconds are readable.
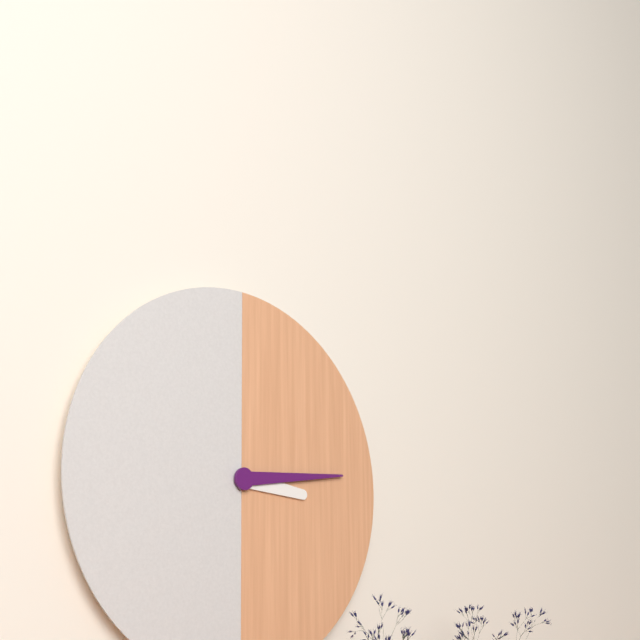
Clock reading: 3.14
